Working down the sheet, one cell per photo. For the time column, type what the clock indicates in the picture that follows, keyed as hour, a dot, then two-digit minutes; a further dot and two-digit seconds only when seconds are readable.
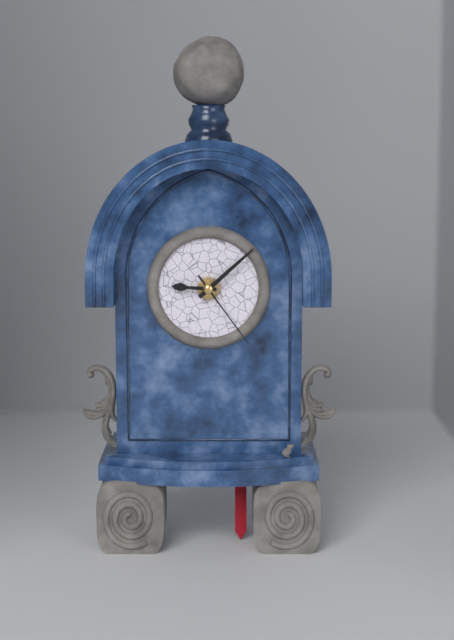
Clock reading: 9.08.24
